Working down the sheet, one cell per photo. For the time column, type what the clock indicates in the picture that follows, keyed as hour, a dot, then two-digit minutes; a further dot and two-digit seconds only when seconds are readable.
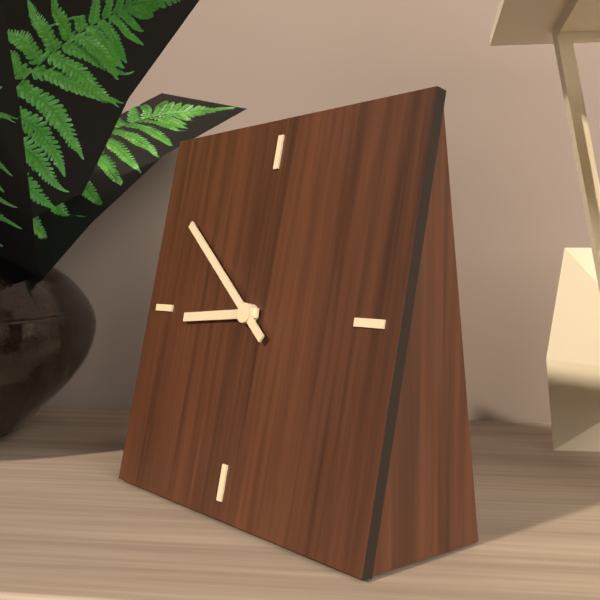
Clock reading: 8.51
